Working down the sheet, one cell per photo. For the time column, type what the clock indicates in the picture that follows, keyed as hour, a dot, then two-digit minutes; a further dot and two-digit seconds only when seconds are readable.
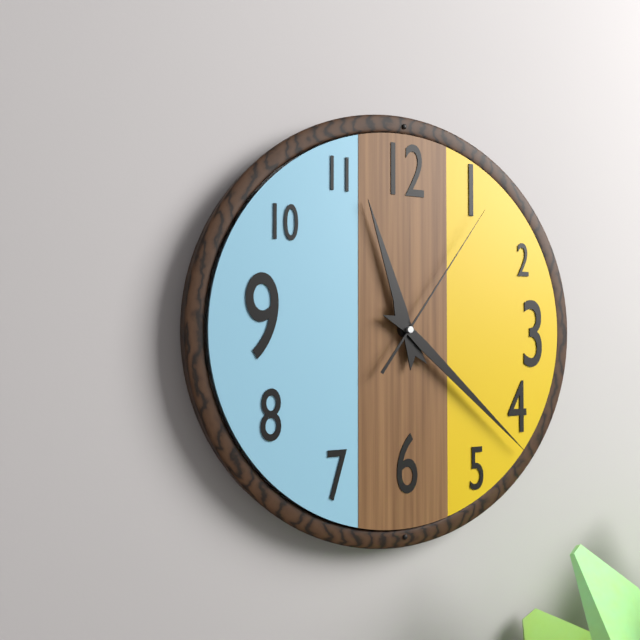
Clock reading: 11.22.06
